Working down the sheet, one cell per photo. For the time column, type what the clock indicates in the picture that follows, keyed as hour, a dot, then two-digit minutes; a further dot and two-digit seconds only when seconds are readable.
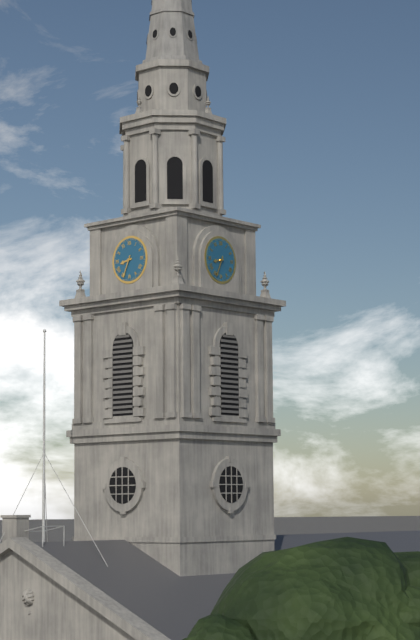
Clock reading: 8.34
